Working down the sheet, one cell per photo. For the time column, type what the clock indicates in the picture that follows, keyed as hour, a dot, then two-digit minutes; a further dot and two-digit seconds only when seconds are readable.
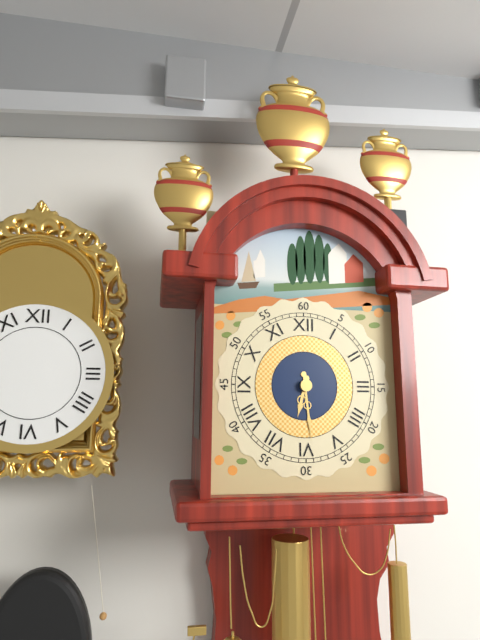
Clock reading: 6.29
